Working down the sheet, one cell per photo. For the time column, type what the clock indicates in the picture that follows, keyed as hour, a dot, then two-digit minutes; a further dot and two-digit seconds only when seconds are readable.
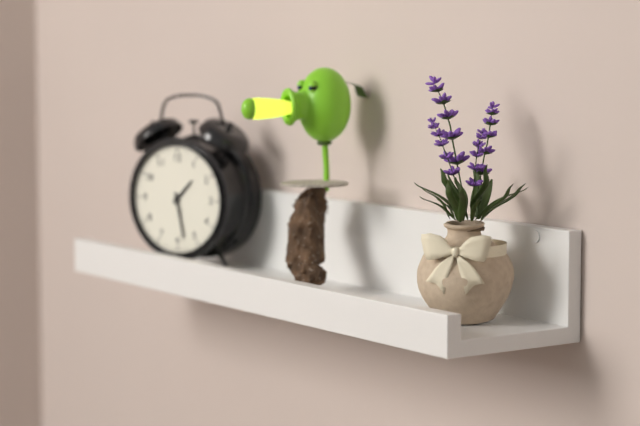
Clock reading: 1.28
